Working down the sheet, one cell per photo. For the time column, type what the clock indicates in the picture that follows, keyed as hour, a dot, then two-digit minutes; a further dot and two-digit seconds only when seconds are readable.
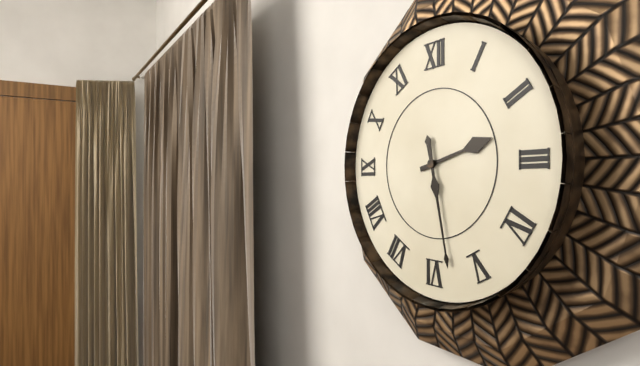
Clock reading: 2.28
